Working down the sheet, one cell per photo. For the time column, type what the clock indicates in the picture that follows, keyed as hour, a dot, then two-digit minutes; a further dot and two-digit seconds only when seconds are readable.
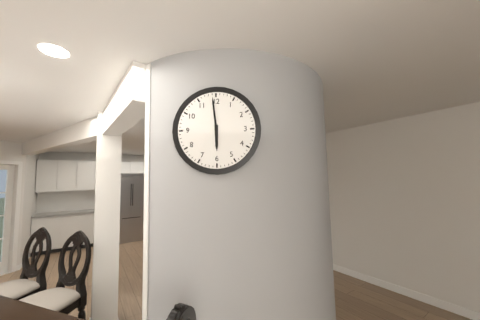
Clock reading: 5.59
